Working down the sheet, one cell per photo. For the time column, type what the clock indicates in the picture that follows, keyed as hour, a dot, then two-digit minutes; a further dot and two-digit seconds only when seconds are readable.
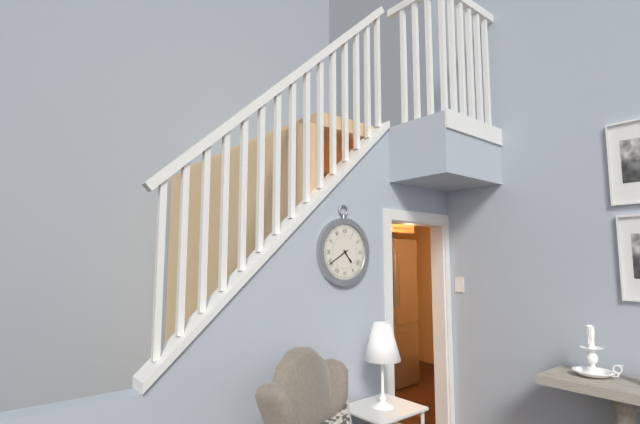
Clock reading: 4.40
